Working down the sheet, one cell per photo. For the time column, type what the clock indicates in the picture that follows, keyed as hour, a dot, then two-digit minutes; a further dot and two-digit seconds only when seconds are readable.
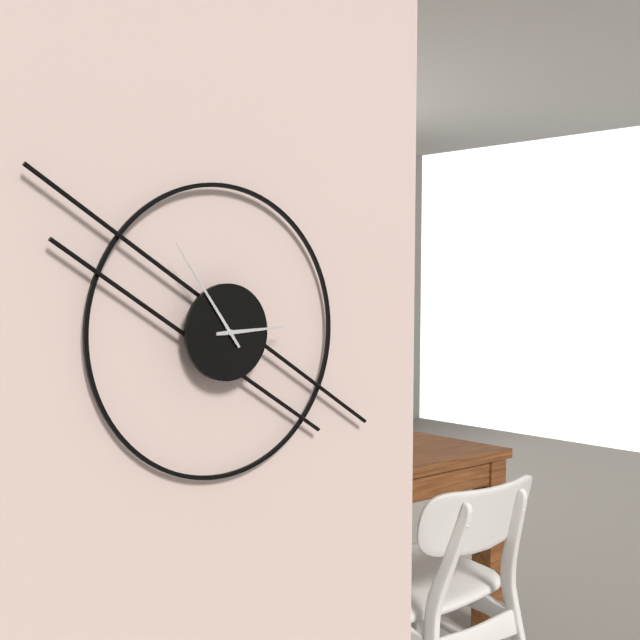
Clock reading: 2.54
